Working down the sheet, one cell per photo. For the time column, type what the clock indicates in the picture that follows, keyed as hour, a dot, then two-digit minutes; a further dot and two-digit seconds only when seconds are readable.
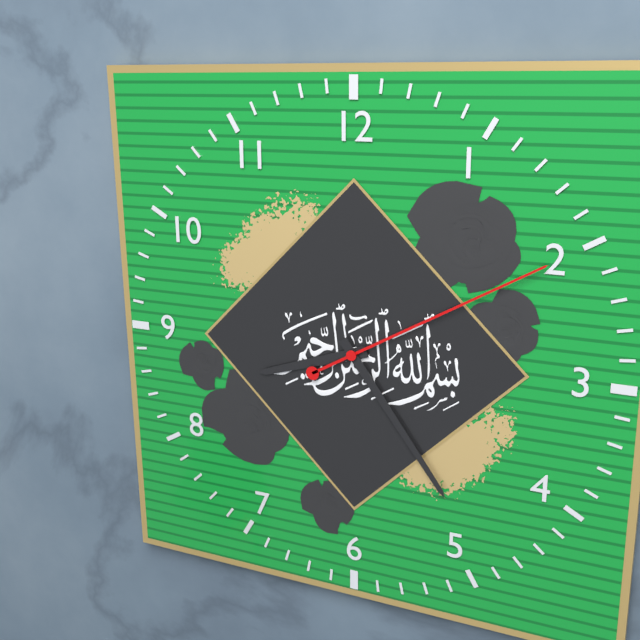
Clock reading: 8.24.10
